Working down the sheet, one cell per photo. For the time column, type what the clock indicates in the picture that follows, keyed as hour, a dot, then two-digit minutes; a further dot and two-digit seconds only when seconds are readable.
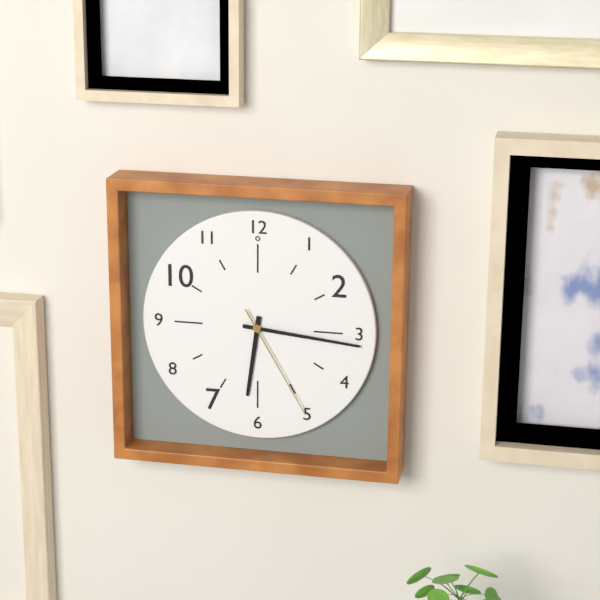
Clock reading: 6.16.25
